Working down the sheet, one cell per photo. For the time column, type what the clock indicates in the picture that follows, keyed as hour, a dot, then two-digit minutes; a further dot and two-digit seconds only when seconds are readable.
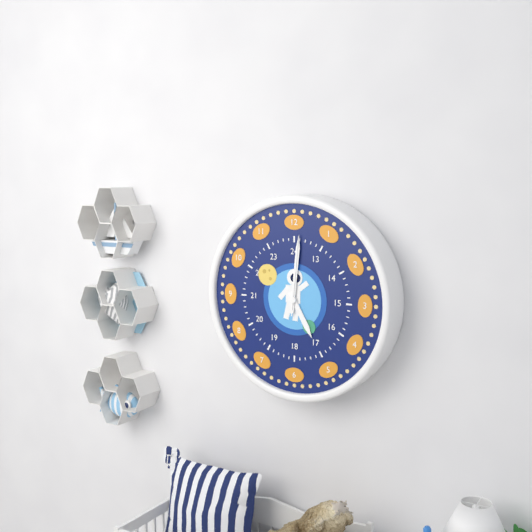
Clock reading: 5.01.01
